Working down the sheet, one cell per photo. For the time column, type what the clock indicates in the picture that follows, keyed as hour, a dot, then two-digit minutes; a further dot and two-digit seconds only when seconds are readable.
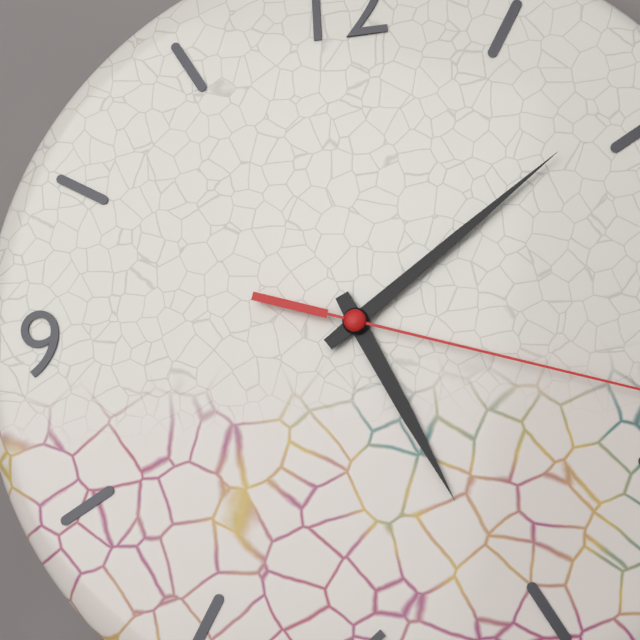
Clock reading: 5.09
